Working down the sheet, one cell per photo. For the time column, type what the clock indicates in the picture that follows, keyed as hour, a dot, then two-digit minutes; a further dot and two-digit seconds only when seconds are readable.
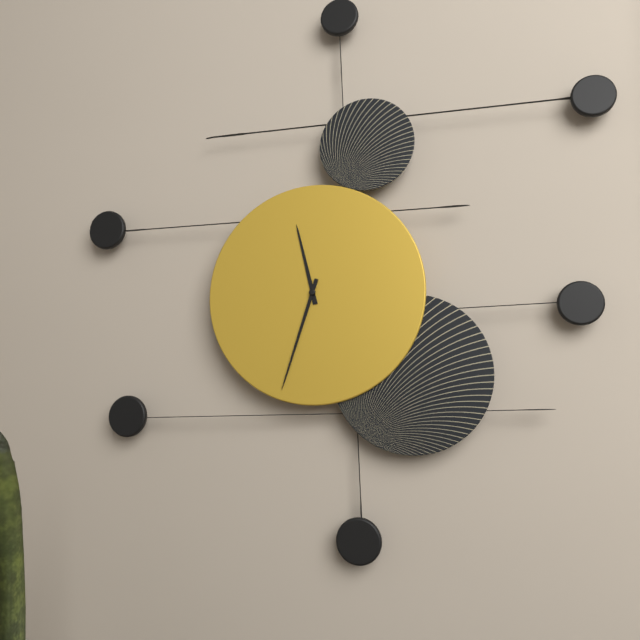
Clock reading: 11.33
